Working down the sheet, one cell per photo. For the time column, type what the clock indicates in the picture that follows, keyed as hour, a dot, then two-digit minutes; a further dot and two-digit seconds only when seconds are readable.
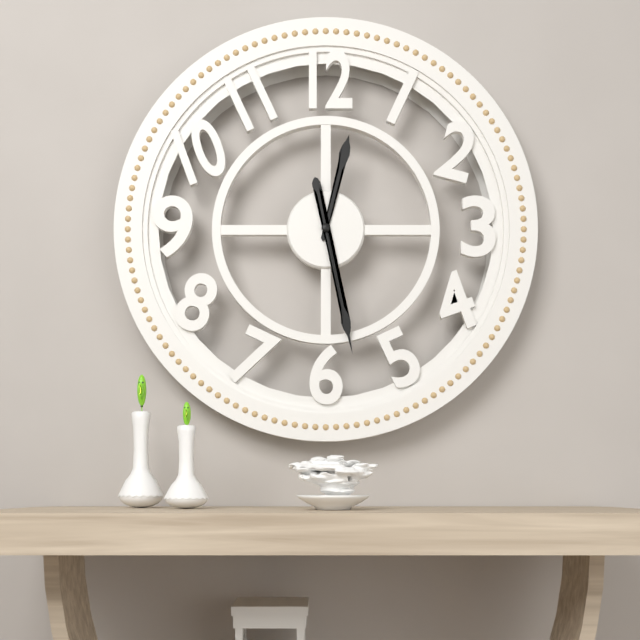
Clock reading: 12.28
